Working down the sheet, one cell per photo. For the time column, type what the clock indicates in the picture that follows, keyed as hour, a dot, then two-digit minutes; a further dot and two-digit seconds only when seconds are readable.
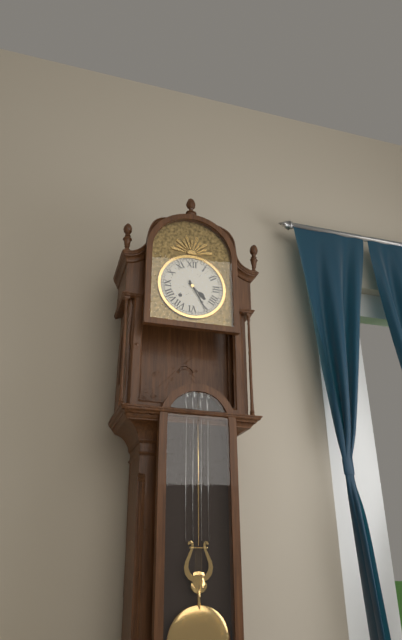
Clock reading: 4.25
